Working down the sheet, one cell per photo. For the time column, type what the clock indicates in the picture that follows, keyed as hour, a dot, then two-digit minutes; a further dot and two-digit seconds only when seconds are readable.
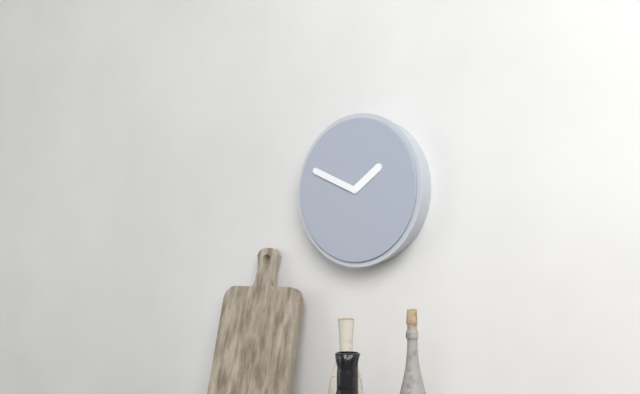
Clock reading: 1.49
